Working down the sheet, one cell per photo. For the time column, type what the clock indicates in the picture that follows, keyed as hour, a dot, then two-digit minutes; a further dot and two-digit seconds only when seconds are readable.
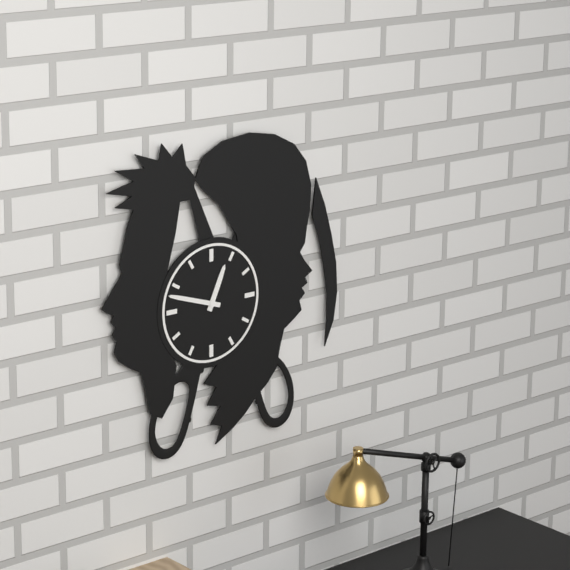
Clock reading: 12.48
